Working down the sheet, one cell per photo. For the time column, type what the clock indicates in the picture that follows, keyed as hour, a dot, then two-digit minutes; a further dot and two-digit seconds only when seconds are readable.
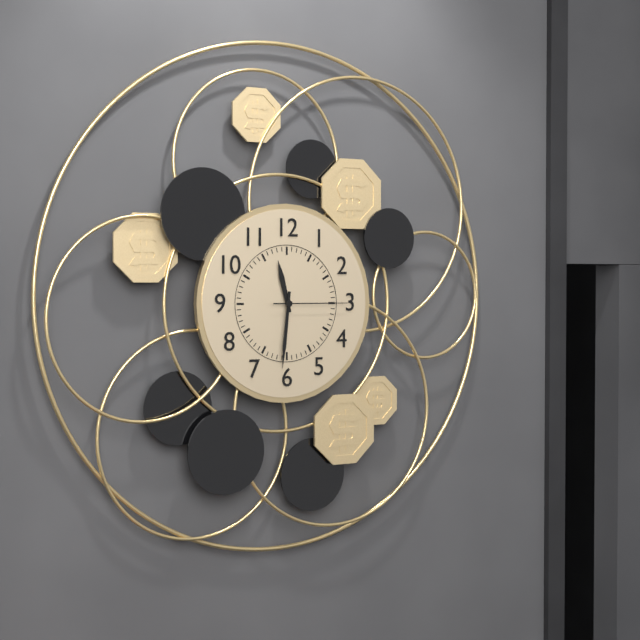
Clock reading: 11.31.15
